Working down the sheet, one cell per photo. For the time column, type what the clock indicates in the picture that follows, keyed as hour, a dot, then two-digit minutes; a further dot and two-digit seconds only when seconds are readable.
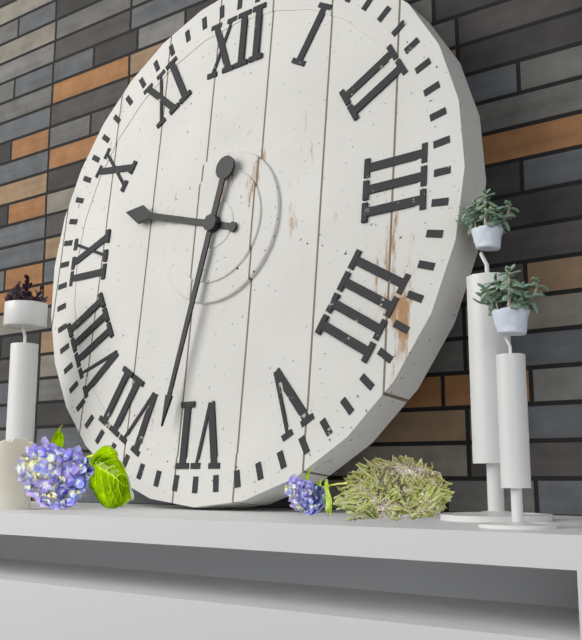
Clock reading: 9.32
